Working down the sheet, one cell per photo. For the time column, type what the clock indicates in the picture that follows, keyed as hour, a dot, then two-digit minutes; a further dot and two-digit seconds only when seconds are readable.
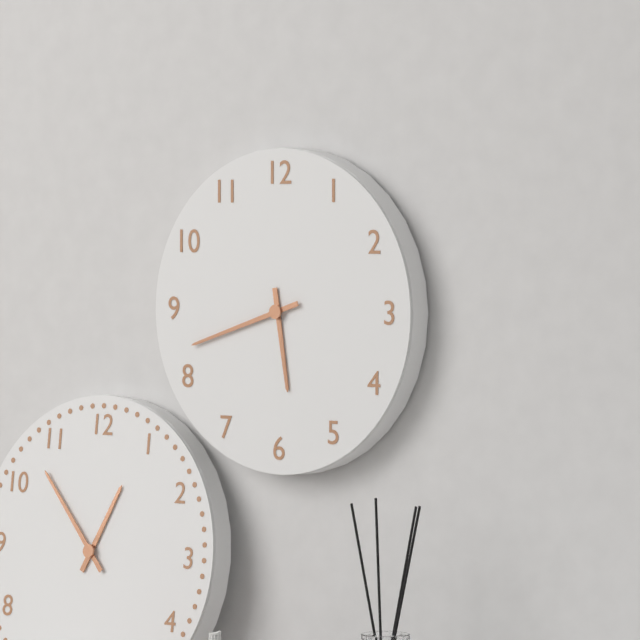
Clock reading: 5.42
